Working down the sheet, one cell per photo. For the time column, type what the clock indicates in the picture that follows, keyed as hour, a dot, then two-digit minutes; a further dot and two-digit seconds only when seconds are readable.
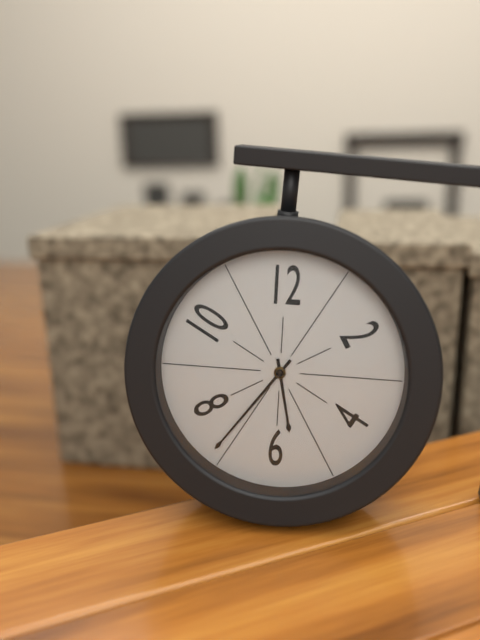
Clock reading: 5.36
